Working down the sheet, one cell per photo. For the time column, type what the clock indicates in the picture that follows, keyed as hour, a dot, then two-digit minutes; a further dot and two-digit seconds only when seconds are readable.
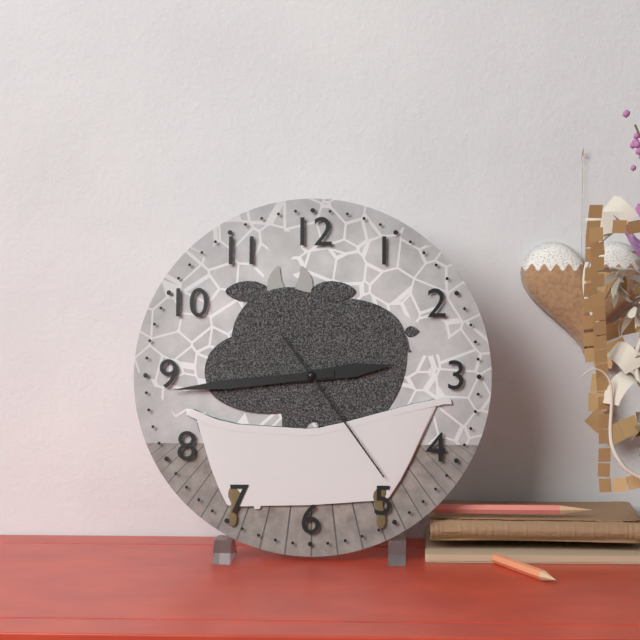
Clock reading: 2.44.24
